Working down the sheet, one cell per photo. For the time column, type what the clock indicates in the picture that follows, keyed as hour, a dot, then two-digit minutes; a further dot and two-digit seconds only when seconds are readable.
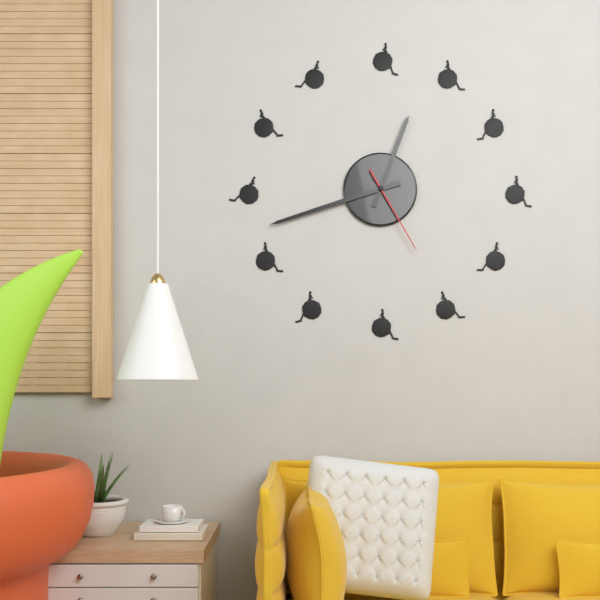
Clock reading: 12.42.25
